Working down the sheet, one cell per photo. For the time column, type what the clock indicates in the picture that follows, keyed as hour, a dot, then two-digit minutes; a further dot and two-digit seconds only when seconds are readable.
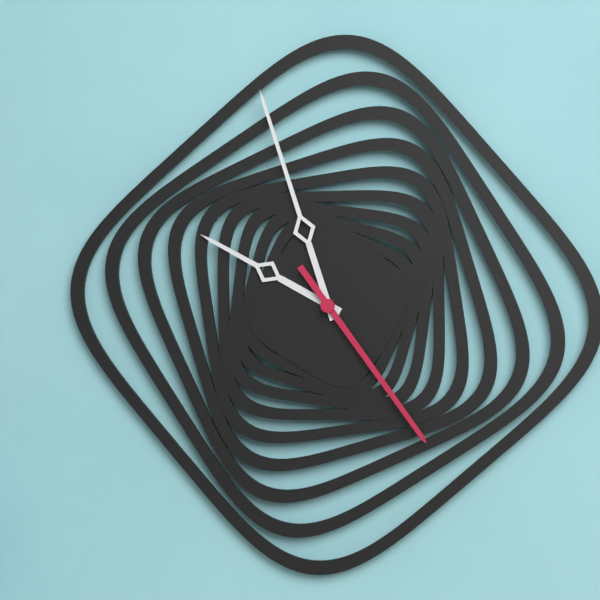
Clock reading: 9.57.24
